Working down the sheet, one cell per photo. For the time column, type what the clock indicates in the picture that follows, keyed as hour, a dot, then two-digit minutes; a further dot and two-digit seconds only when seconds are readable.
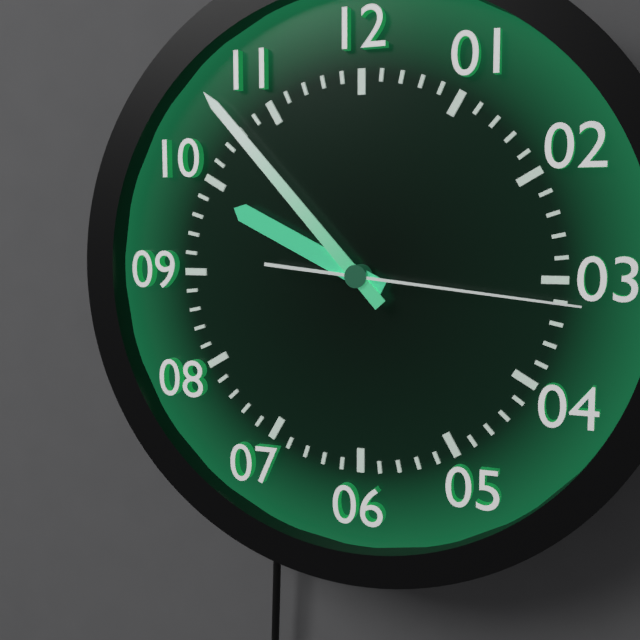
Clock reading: 9.53.16
